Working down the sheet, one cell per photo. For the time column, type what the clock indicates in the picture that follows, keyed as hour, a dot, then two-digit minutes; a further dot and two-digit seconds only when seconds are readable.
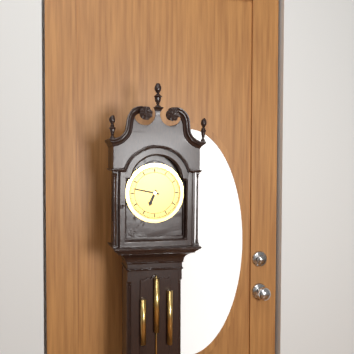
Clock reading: 6.47
